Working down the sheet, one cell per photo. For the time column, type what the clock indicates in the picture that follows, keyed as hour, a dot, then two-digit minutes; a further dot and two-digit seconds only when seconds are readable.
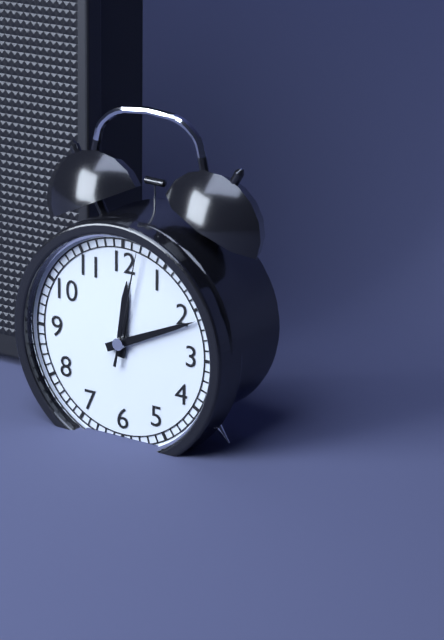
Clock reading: 12.11.02
